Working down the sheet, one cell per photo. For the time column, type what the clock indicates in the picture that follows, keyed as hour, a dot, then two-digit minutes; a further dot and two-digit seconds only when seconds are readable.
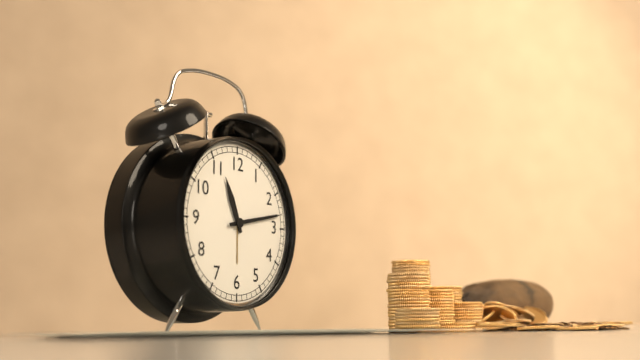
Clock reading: 11.13
